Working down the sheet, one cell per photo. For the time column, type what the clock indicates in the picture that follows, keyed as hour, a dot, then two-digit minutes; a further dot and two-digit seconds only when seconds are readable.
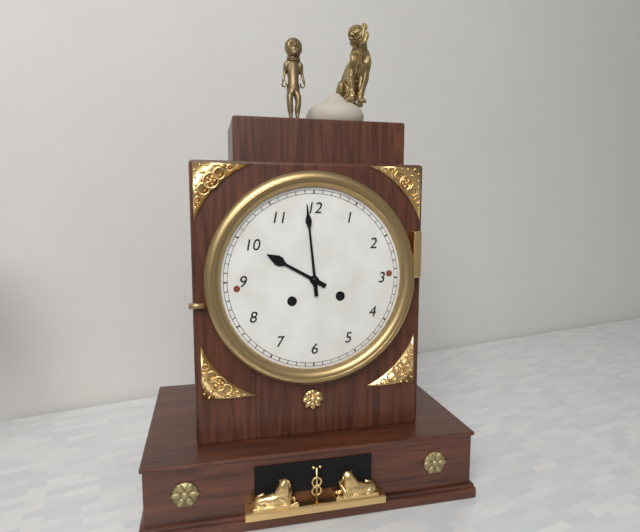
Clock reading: 9.59
